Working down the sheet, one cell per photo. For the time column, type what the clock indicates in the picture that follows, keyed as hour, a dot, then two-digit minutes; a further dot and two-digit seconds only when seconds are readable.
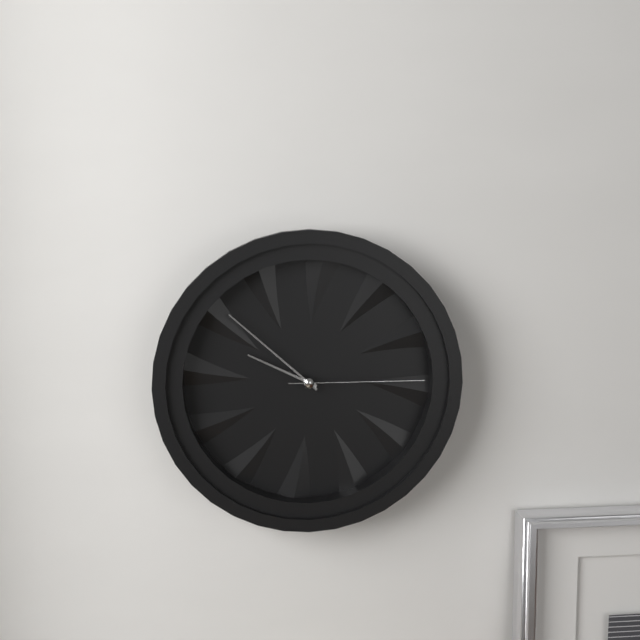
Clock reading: 9.52.15
